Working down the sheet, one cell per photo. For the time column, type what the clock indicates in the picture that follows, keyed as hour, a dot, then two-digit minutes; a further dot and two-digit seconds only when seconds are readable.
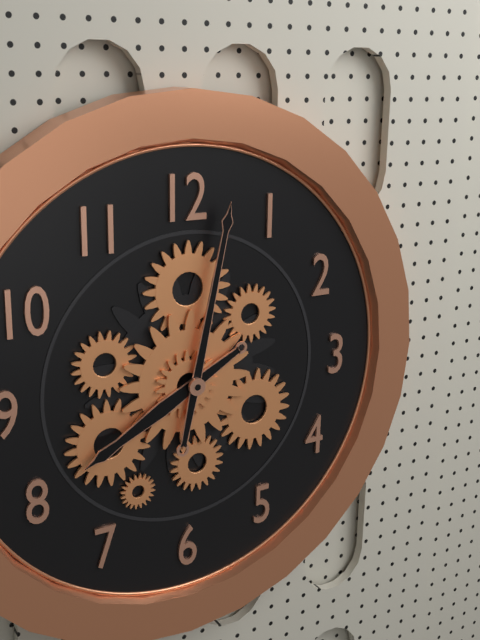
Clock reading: 8.02
